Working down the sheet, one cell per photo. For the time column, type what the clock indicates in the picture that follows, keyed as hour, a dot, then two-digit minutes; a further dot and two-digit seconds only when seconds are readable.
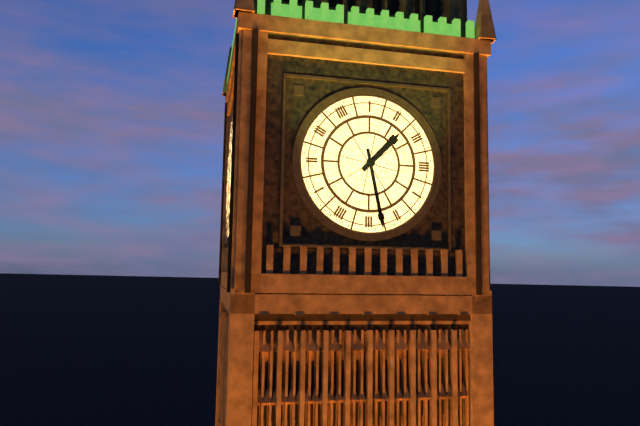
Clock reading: 1.28
